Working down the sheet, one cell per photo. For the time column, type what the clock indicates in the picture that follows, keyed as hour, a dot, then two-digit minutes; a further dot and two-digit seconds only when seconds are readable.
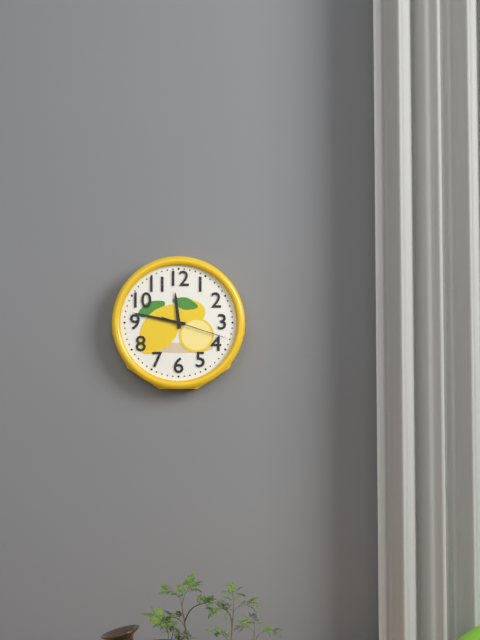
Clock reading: 11.47.18
